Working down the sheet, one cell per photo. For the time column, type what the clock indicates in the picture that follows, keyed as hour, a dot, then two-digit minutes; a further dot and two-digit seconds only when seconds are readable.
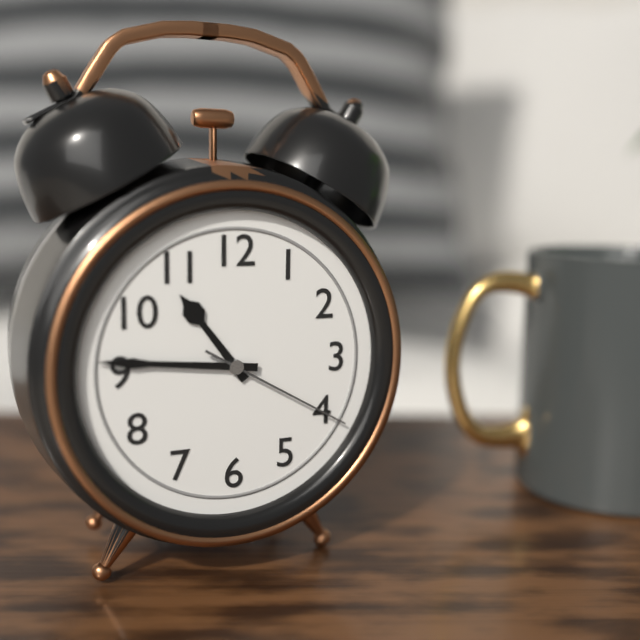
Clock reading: 10.46.20
